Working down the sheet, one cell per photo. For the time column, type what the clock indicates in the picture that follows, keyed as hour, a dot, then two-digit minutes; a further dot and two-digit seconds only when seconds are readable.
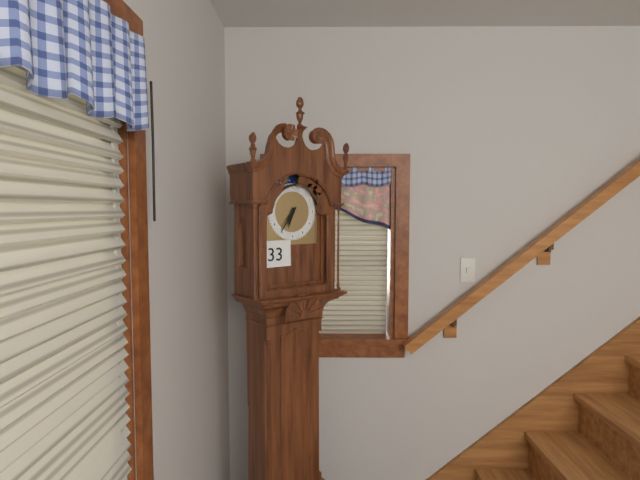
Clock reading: 6.36
